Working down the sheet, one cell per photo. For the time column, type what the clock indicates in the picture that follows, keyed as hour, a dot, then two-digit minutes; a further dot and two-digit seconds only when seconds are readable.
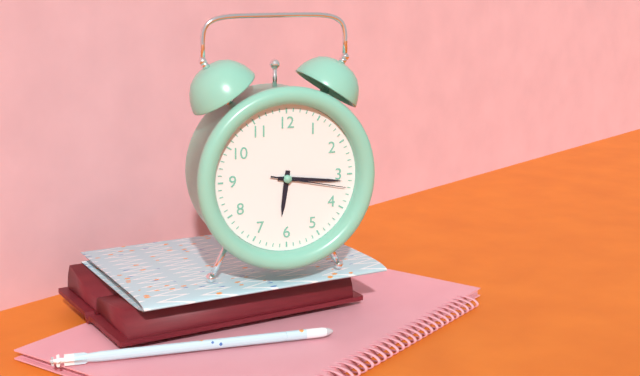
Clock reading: 6.16.17
